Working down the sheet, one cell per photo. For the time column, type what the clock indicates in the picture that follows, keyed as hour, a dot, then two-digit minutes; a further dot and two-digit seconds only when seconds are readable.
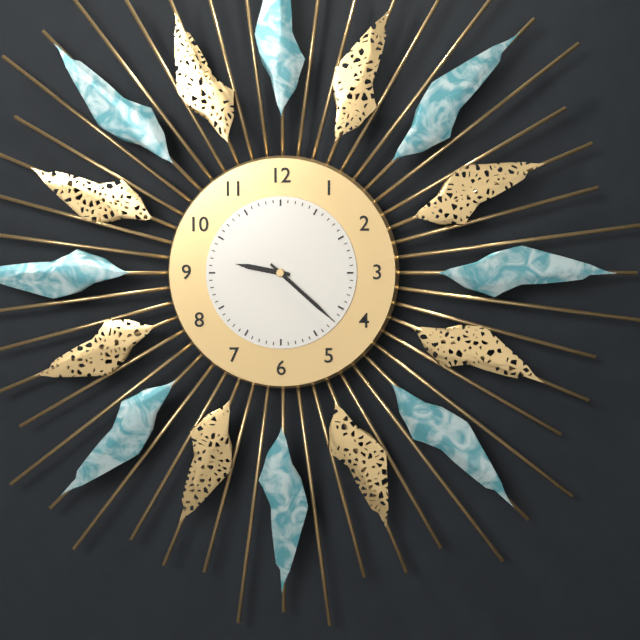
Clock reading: 9.22
